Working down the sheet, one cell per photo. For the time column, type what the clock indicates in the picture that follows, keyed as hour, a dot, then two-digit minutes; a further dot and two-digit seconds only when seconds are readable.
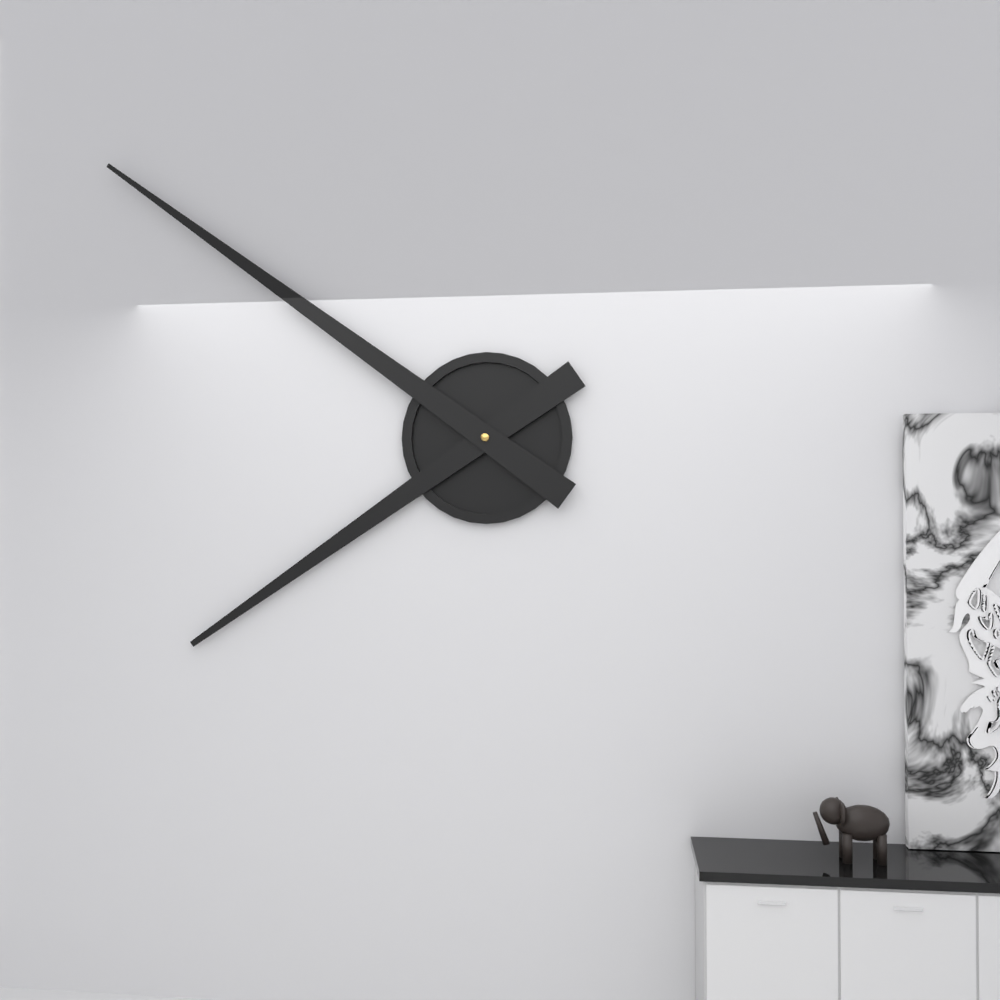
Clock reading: 7.51
